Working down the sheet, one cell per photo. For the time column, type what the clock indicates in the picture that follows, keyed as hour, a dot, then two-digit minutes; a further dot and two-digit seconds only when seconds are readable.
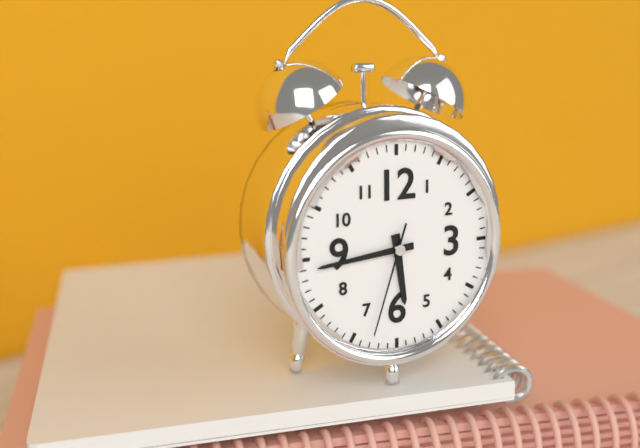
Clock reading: 5.44.33
